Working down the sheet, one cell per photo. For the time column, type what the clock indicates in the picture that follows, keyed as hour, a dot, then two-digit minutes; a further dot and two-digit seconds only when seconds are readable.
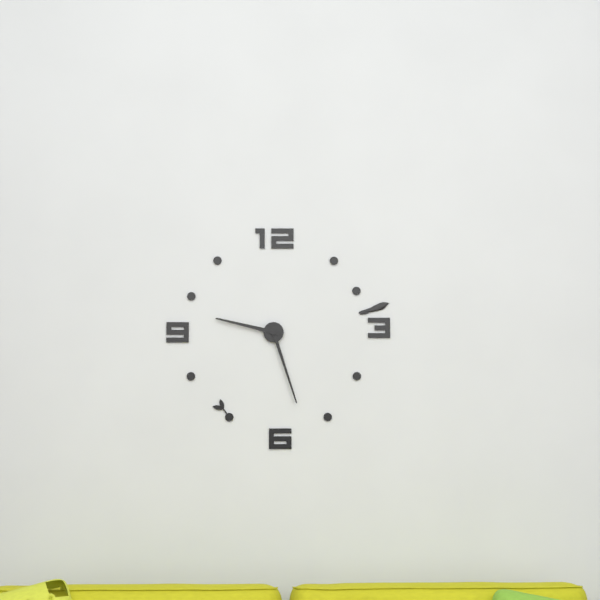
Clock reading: 9.27
